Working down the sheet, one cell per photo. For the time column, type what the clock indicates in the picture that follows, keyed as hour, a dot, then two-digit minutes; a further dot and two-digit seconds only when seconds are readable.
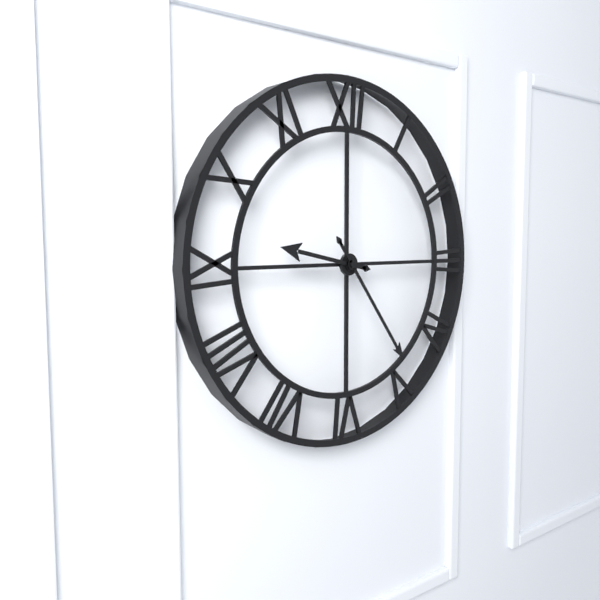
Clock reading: 9.24
